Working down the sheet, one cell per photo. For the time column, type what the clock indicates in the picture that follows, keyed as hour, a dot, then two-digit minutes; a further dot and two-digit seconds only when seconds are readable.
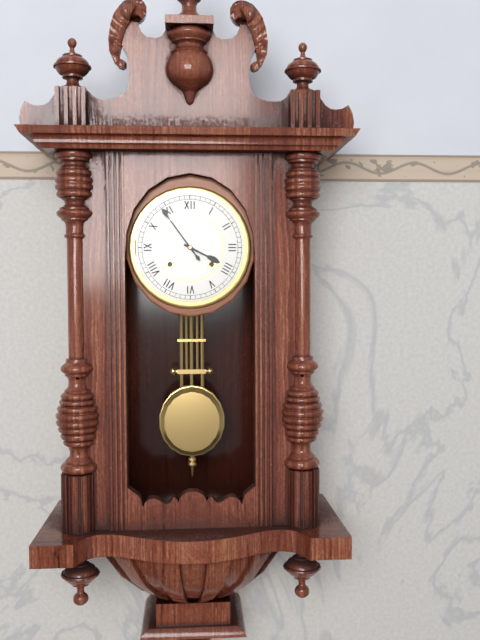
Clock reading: 3.54
